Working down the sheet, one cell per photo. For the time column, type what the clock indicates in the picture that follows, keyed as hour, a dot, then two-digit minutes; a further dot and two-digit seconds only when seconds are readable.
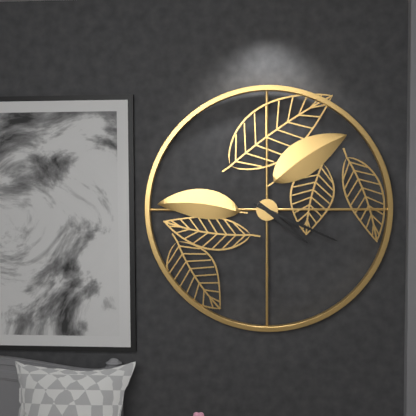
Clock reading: 4.19
